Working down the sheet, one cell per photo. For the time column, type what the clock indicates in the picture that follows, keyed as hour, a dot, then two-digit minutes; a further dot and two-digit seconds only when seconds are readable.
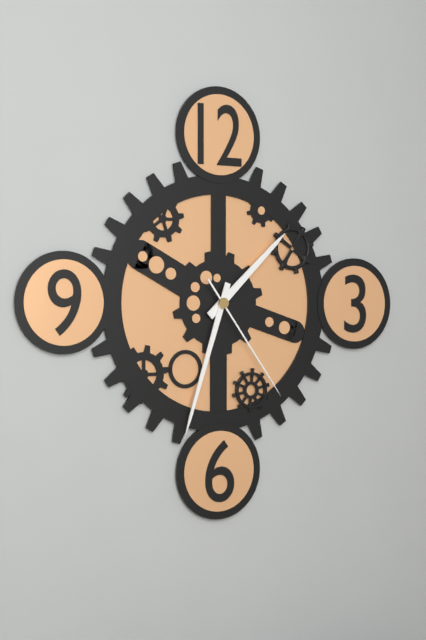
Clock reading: 1.33.24
